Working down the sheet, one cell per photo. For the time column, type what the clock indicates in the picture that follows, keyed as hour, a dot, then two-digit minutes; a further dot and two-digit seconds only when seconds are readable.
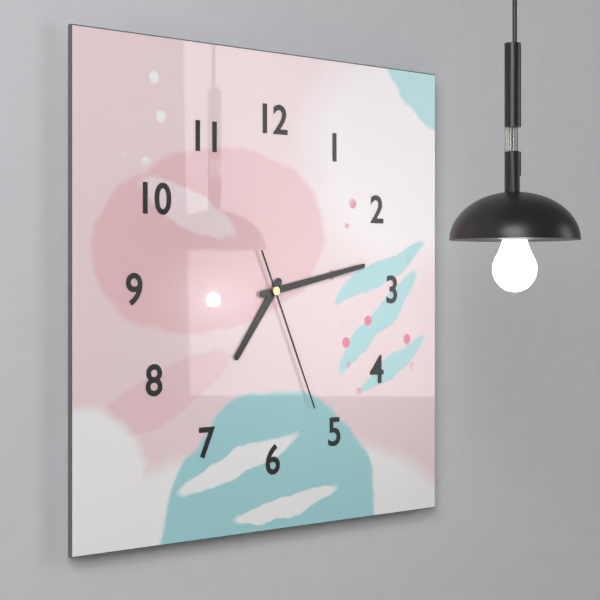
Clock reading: 7.13.26
